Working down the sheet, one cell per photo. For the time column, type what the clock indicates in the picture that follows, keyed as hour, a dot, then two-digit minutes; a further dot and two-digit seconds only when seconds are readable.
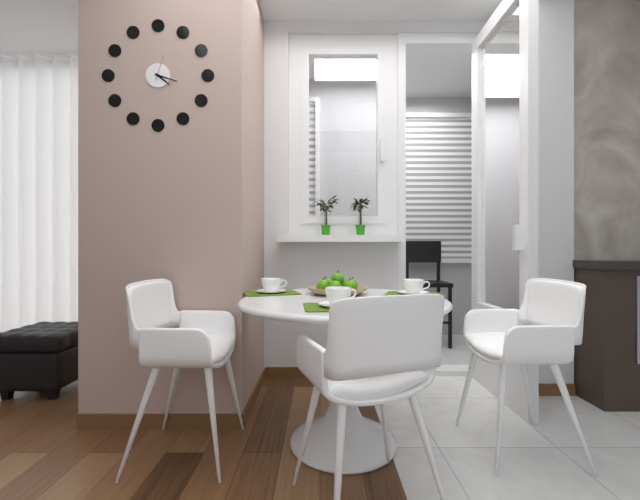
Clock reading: 4.18
